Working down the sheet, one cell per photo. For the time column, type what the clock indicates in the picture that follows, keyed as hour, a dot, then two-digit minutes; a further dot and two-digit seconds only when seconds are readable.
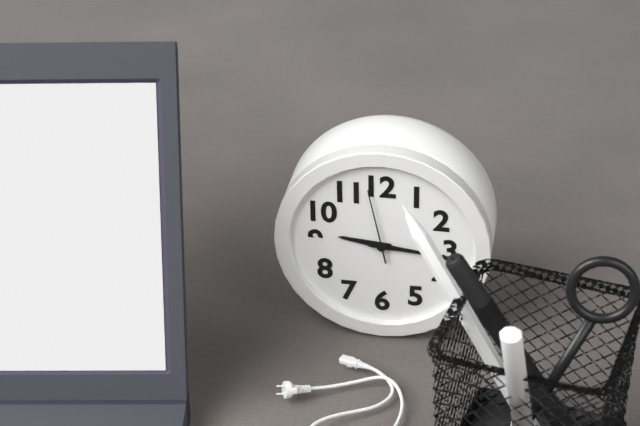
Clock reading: 9.16.58
